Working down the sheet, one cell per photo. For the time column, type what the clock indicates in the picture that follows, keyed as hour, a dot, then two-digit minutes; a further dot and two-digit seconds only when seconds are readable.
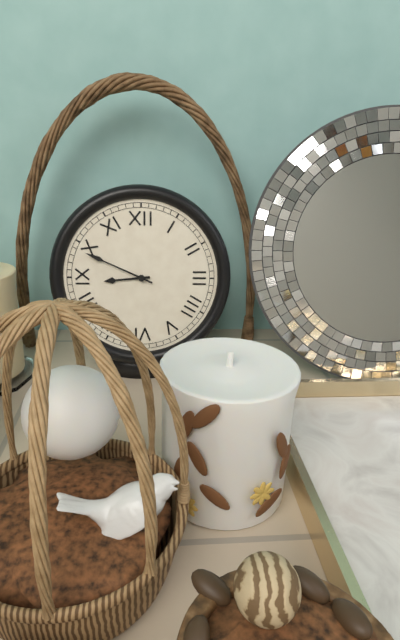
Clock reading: 8.49
